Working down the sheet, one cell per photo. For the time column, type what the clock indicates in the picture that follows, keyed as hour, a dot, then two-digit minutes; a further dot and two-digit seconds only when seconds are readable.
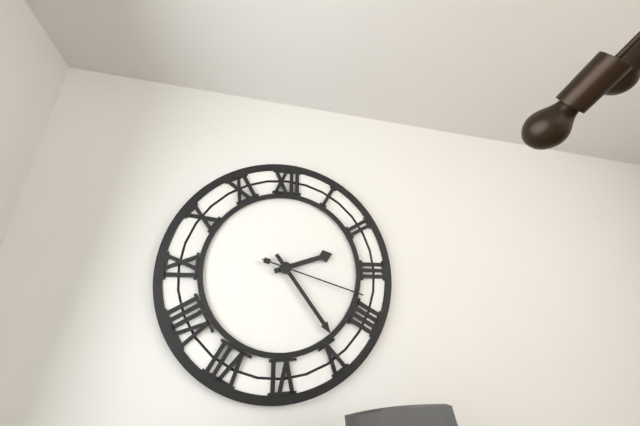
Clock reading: 2.24.18
